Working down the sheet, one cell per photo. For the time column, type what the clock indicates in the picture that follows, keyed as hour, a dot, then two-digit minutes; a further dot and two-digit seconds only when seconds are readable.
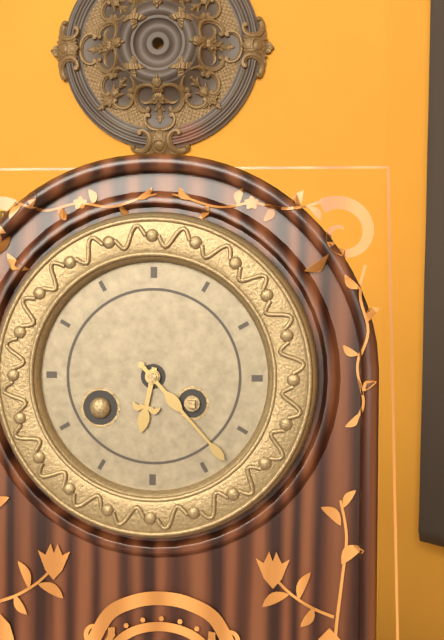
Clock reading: 6.23
